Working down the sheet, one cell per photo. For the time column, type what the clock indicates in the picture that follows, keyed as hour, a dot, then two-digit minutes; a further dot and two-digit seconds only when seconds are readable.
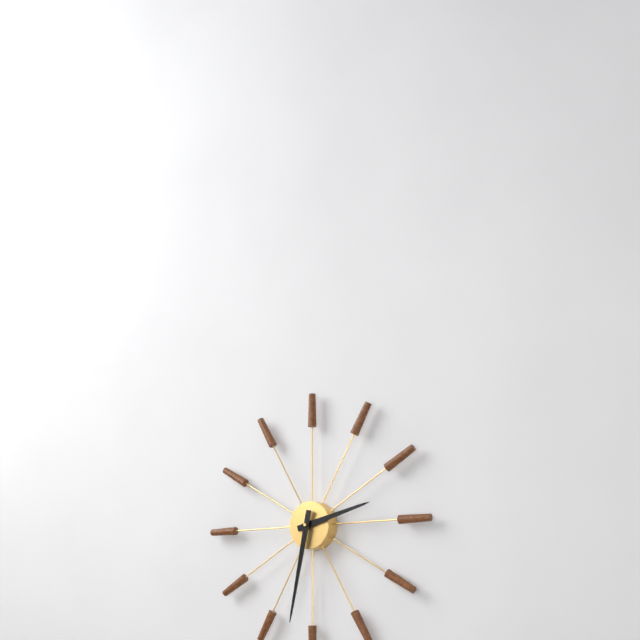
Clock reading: 2.32
